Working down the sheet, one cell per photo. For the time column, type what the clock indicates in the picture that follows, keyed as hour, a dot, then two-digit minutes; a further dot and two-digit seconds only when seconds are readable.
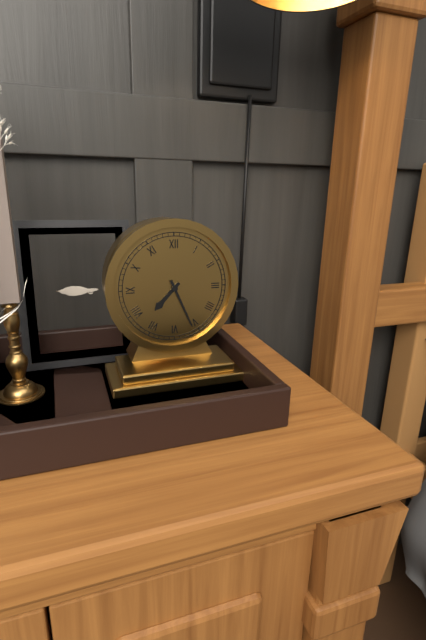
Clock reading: 7.26
